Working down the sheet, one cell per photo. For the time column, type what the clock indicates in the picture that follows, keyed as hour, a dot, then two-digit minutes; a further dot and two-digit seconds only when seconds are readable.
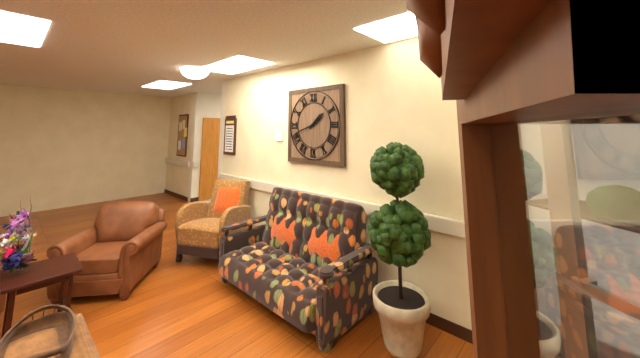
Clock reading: 1.42
